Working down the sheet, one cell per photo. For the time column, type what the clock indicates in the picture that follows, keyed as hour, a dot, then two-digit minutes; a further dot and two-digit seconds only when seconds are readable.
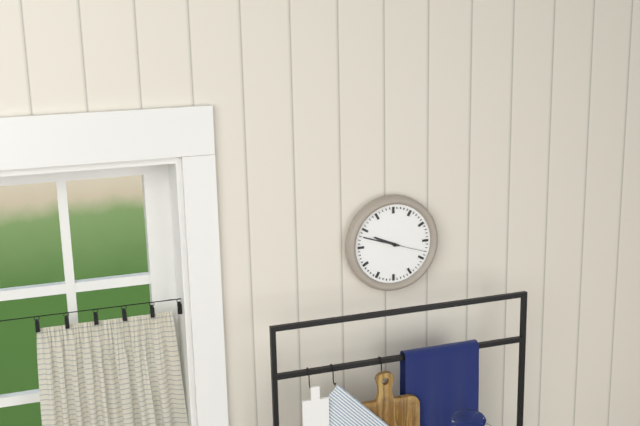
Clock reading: 9.48
